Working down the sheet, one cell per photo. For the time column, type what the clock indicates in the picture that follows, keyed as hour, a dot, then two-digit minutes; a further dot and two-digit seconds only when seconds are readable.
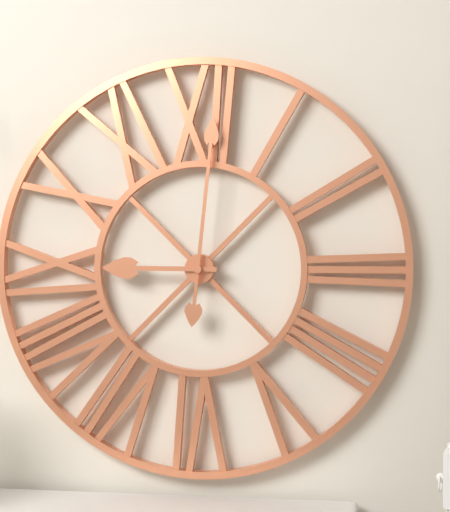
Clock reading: 9.01
